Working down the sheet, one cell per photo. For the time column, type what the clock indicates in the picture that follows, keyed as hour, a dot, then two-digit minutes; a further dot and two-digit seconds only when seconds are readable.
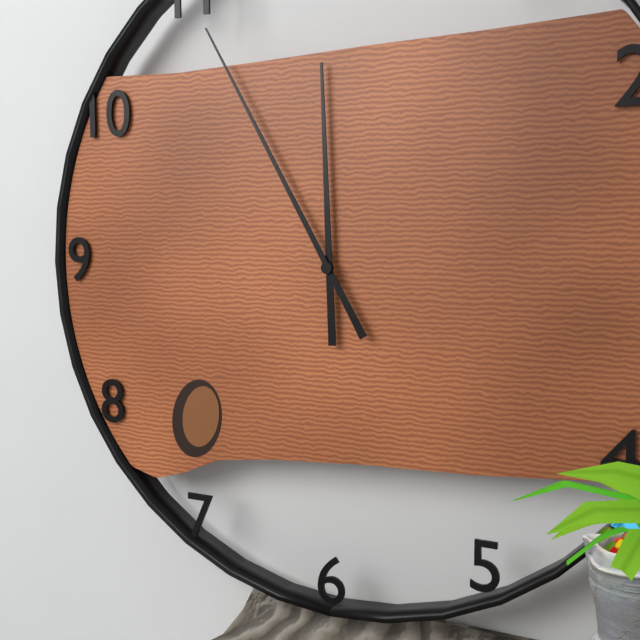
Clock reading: 11.55
